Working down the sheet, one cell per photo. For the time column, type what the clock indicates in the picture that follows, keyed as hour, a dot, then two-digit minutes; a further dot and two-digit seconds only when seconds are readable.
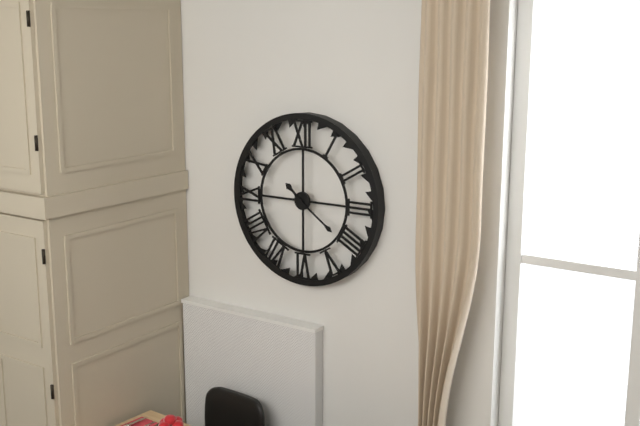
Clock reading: 10.21
